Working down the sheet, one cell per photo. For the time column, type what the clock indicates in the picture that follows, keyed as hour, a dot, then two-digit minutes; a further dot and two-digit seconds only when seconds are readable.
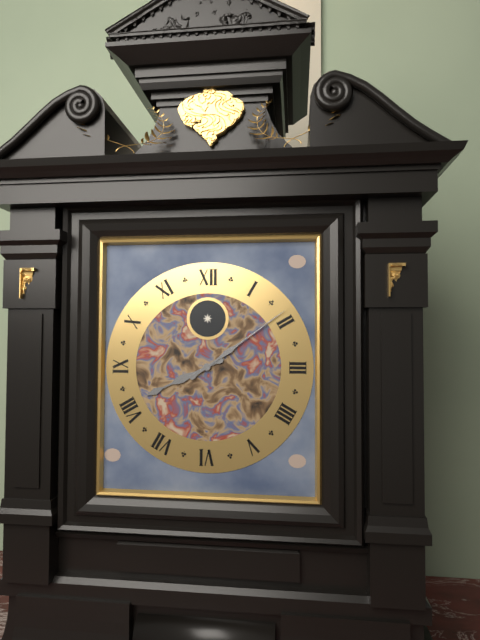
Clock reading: 8.09
